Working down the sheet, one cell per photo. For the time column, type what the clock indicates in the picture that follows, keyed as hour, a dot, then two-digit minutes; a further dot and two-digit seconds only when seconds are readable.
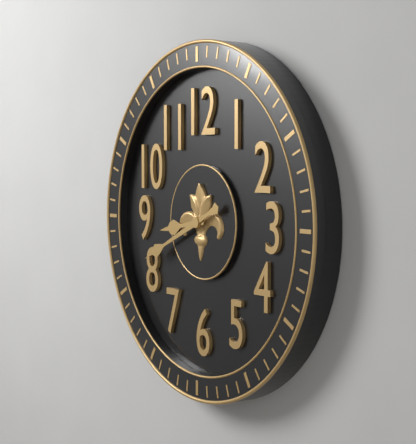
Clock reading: 8.41
